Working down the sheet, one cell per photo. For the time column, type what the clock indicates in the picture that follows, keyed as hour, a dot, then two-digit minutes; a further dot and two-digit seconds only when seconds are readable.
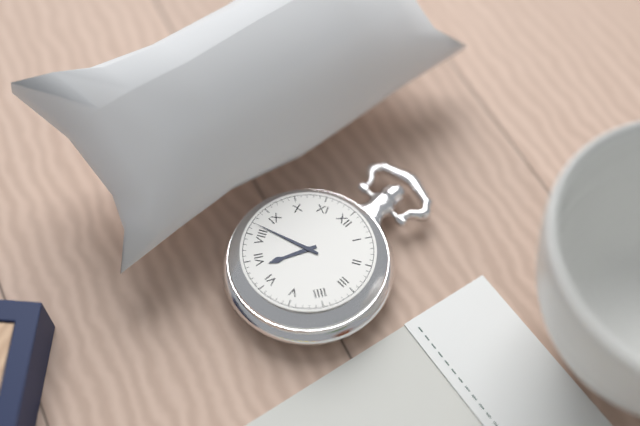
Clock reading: 6.42
